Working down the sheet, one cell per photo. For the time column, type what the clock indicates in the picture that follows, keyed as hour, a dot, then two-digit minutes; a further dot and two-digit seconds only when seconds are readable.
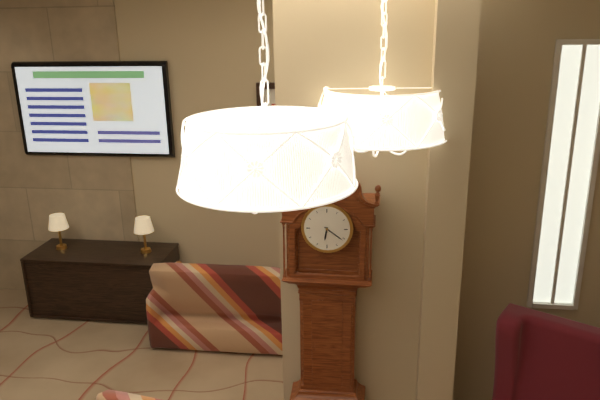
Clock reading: 6.21
